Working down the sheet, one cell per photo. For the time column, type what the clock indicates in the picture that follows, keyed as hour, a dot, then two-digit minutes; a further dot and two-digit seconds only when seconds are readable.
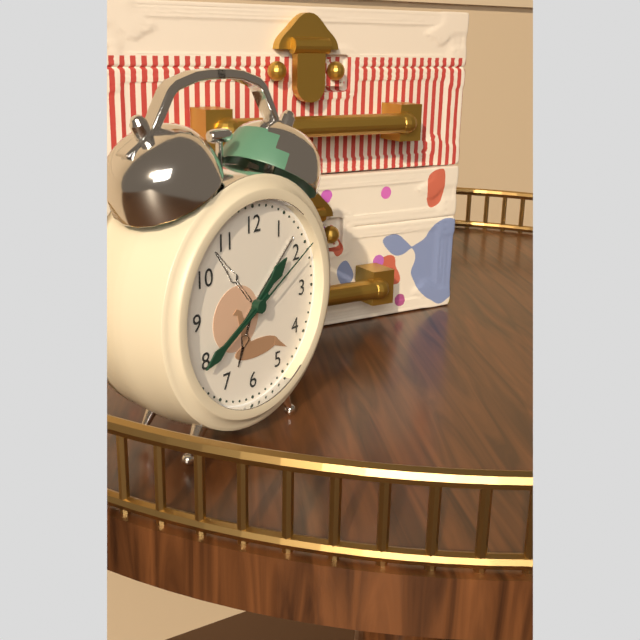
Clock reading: 1.40.10
